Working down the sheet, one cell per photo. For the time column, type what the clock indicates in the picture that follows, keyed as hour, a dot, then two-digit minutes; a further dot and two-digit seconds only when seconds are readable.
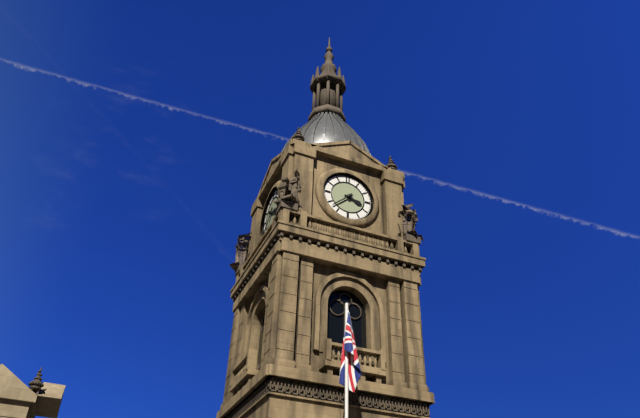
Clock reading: 3.38
